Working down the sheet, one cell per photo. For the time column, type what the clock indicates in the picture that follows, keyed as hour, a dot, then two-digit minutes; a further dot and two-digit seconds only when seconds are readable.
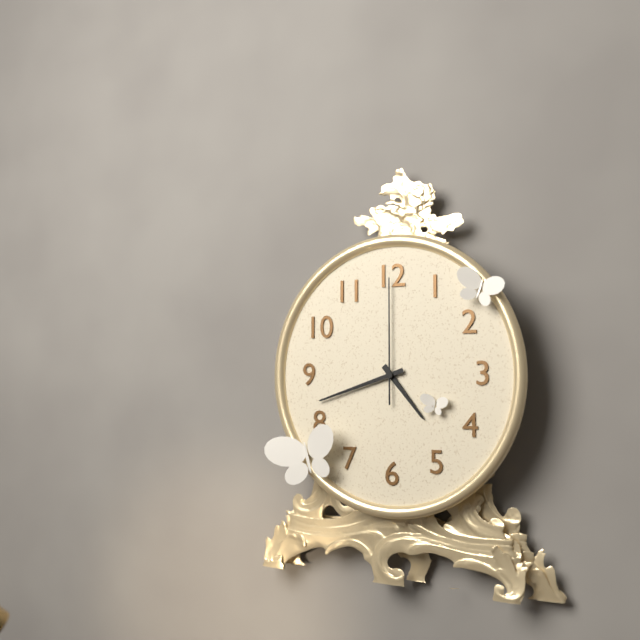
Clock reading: 4.42.00
